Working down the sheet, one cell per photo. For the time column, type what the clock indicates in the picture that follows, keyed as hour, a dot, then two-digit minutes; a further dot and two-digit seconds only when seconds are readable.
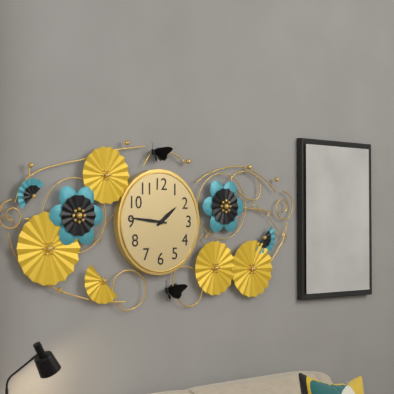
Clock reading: 1.46
